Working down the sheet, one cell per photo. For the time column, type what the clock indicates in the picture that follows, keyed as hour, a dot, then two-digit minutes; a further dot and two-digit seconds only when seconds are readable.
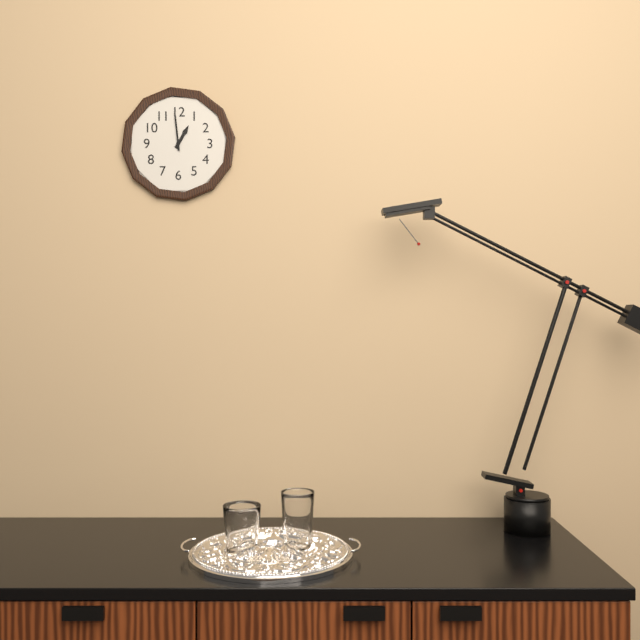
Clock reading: 12.59
